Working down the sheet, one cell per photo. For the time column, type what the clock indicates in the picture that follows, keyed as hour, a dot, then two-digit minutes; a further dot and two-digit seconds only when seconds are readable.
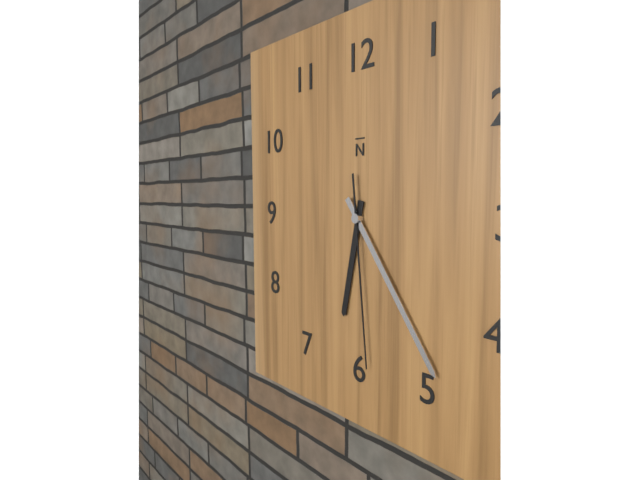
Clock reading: 6.24.29
